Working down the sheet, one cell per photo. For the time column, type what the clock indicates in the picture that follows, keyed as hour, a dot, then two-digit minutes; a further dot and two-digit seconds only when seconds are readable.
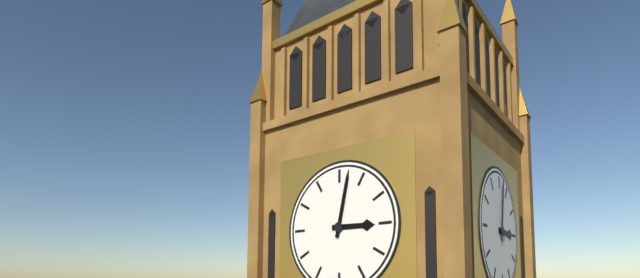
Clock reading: 3.02
